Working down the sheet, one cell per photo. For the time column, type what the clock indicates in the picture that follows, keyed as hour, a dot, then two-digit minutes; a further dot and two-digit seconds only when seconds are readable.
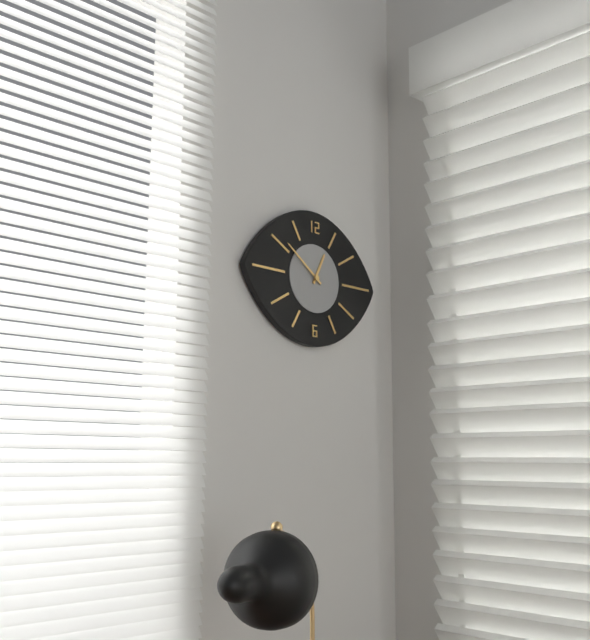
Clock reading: 12.51
